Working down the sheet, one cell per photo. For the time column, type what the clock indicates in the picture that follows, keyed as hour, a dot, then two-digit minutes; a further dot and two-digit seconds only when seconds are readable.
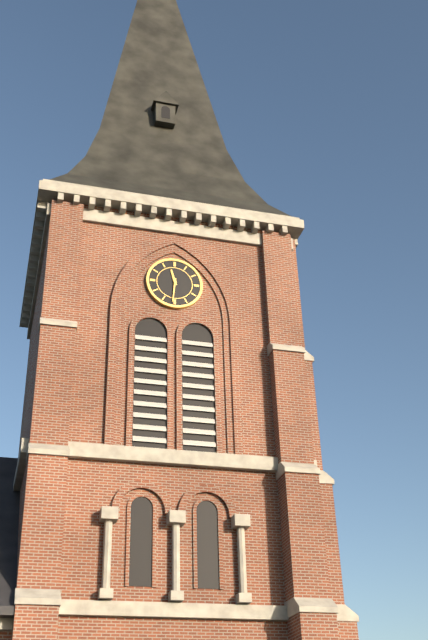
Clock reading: 11.31
